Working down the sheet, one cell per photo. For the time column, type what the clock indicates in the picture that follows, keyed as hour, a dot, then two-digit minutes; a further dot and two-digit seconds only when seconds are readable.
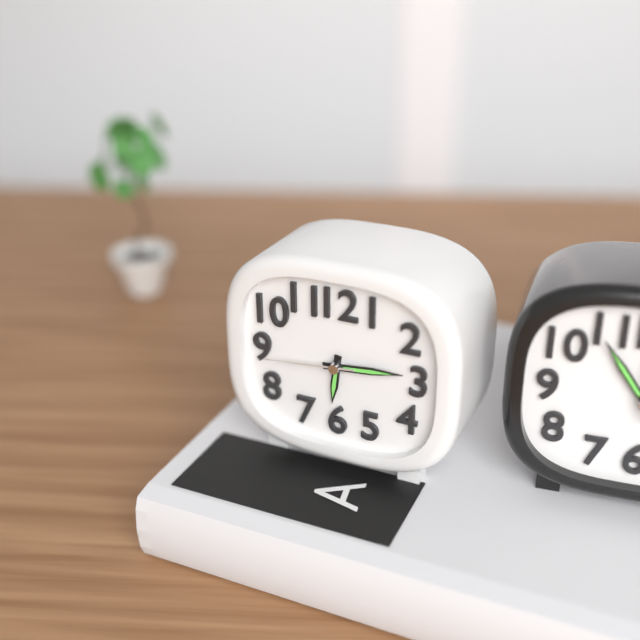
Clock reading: 6.14.44
